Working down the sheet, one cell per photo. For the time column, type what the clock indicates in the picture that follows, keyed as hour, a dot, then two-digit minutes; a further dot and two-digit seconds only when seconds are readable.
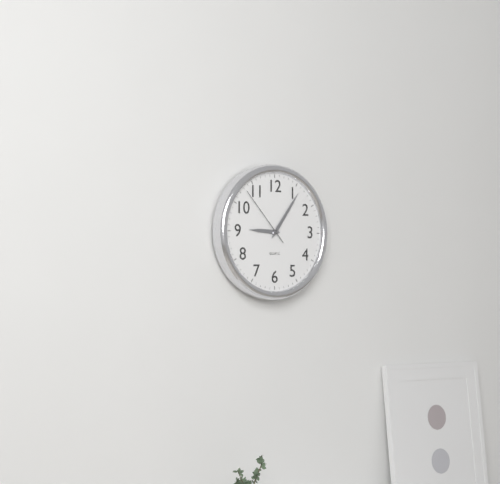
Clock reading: 9.06.53
